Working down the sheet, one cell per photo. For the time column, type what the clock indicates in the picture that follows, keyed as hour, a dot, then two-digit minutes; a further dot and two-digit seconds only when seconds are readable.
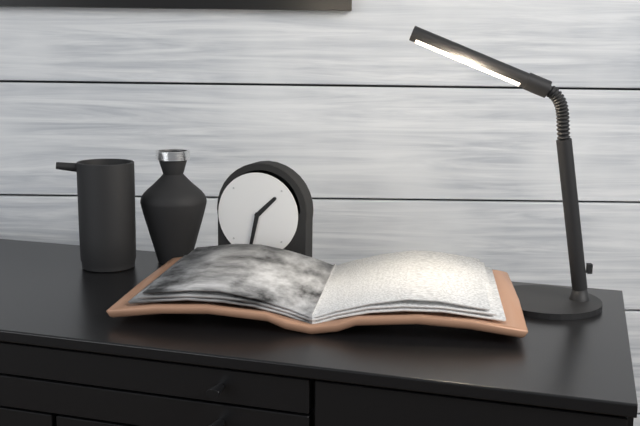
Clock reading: 1.32
